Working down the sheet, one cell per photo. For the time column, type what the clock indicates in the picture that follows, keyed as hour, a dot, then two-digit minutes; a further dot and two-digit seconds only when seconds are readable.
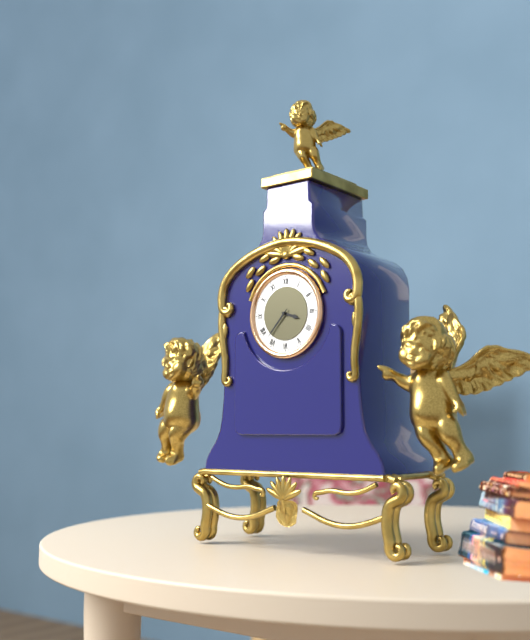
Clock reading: 3.37
